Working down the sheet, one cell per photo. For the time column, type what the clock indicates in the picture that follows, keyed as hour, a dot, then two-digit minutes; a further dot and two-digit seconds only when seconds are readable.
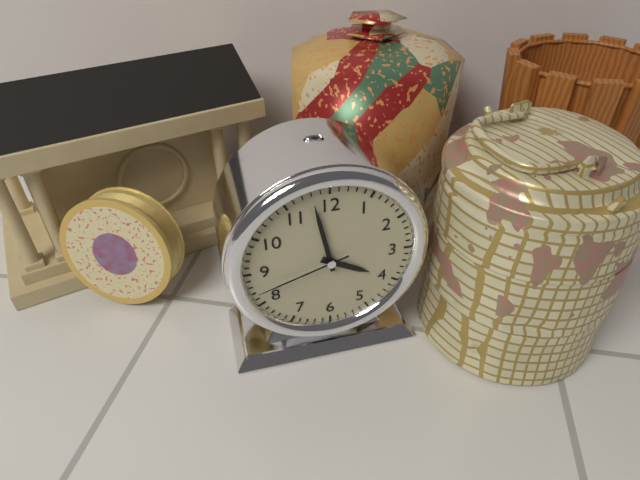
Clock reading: 3.58.42
